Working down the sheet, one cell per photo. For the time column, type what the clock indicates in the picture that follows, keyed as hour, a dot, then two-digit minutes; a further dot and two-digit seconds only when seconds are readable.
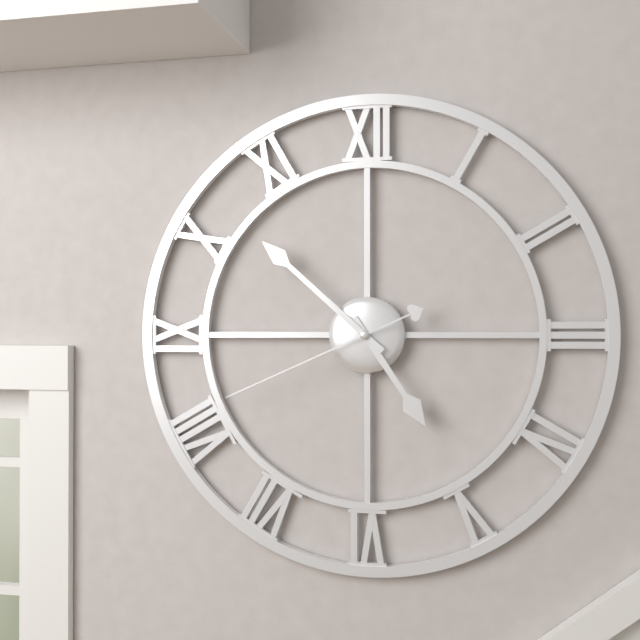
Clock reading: 4.52.41
